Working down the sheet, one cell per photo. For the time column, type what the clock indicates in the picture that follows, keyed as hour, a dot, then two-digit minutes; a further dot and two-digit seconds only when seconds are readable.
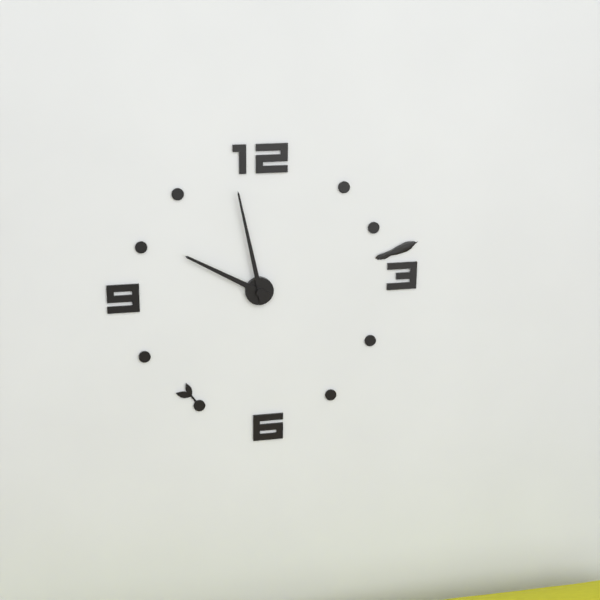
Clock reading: 9.58
